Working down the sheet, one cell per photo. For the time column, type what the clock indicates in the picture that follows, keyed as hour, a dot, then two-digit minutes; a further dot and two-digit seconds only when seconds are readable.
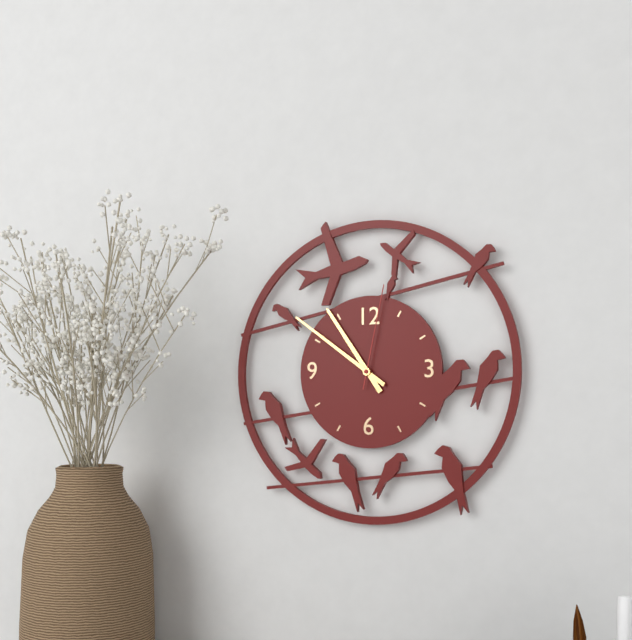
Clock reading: 10.51.02
